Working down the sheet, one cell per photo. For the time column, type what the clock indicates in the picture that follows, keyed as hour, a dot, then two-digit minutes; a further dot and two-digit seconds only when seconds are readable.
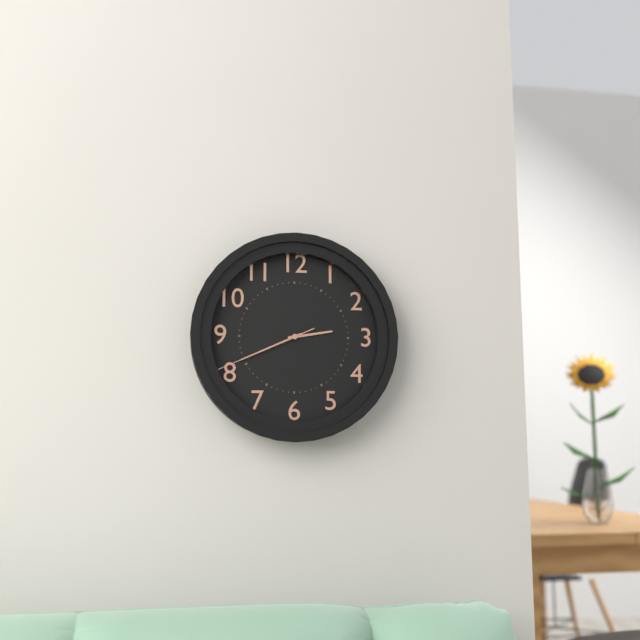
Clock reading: 2.41.41
